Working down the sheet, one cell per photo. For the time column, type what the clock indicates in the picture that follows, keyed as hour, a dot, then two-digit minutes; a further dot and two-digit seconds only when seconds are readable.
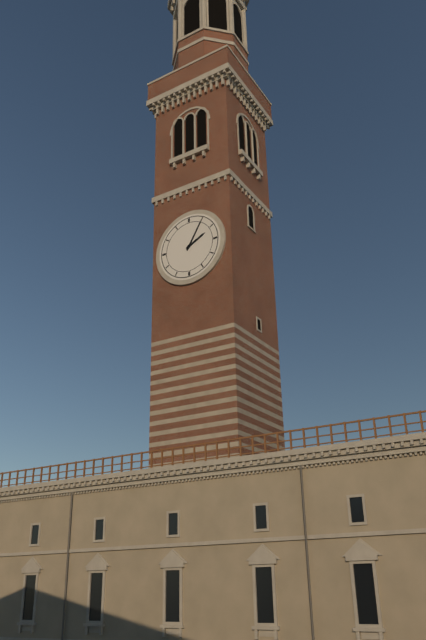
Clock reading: 2.05
